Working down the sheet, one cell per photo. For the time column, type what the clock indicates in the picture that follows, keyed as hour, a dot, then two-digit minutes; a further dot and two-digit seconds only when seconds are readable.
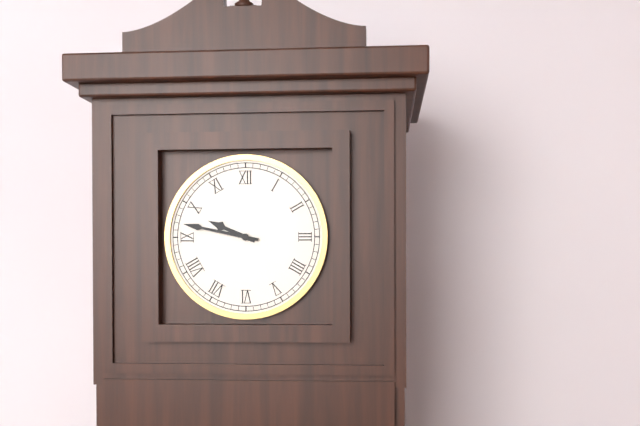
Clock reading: 9.47
